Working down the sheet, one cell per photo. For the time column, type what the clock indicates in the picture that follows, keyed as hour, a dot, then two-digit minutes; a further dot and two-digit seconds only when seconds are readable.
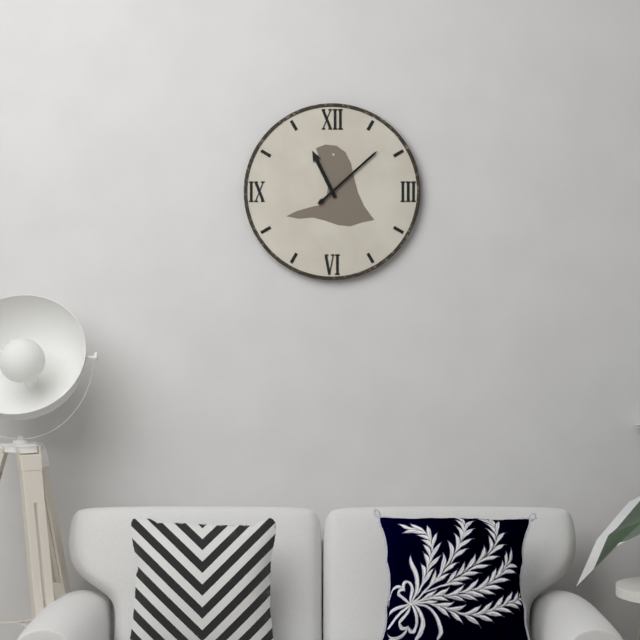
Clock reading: 11.08
